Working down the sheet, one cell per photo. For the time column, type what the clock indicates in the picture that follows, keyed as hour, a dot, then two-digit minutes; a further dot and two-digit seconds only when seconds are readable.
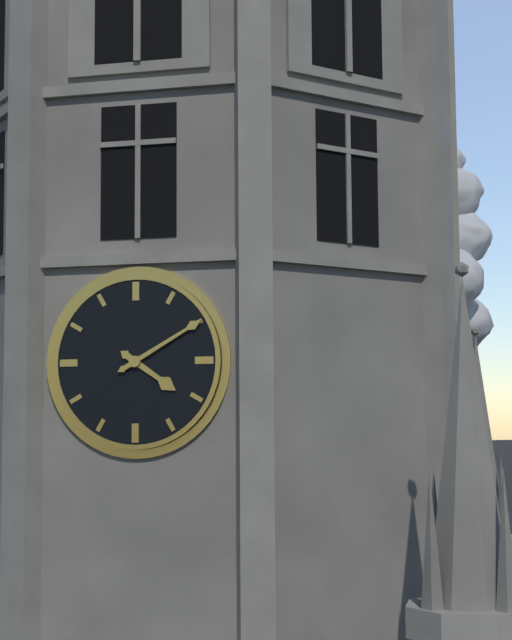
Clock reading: 4.10
